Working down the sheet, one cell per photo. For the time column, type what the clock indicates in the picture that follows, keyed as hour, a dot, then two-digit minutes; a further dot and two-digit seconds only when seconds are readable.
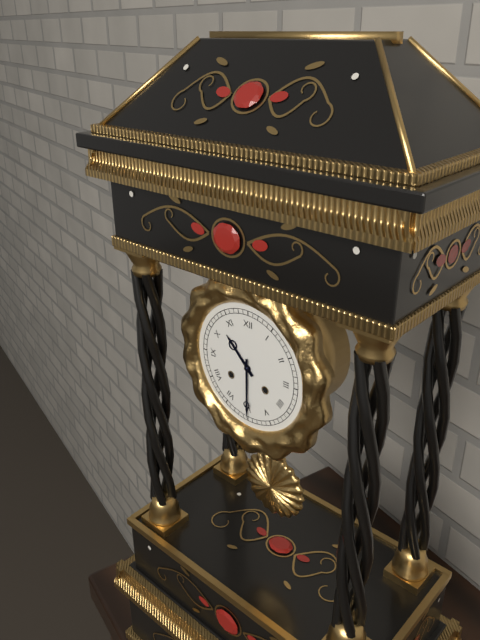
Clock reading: 10.30
